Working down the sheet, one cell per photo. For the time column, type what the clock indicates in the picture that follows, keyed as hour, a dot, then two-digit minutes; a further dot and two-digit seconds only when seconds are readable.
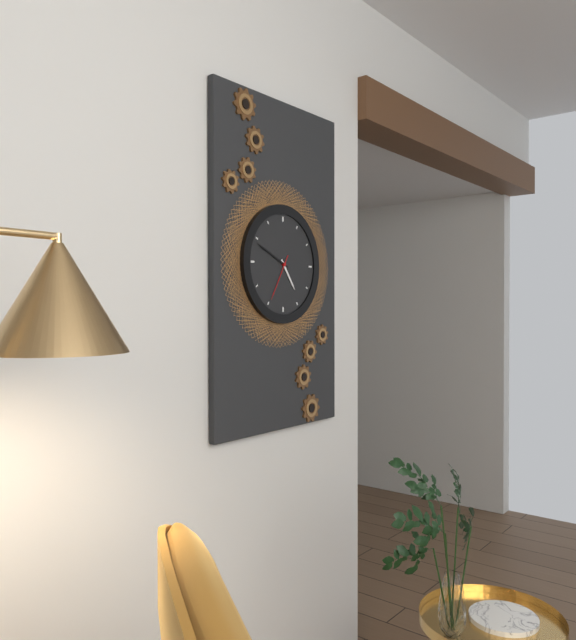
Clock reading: 4.49
